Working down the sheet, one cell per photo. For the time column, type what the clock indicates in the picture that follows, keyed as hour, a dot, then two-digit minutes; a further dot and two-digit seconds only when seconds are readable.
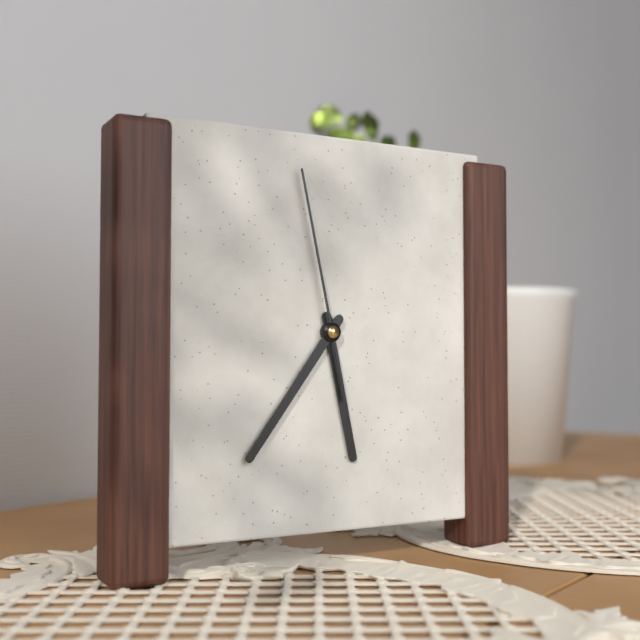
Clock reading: 5.36.58
